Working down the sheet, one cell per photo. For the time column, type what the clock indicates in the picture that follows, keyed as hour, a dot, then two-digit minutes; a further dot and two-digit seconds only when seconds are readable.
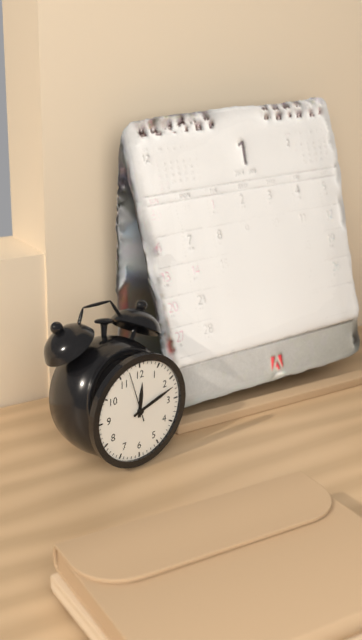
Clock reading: 12.12
